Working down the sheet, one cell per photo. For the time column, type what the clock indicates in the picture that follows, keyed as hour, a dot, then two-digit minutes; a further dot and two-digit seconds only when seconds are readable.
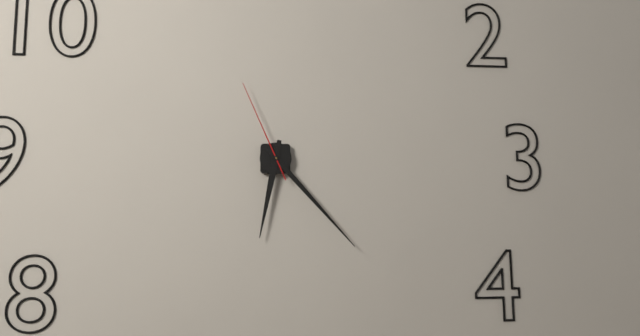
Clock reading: 6.23.56
